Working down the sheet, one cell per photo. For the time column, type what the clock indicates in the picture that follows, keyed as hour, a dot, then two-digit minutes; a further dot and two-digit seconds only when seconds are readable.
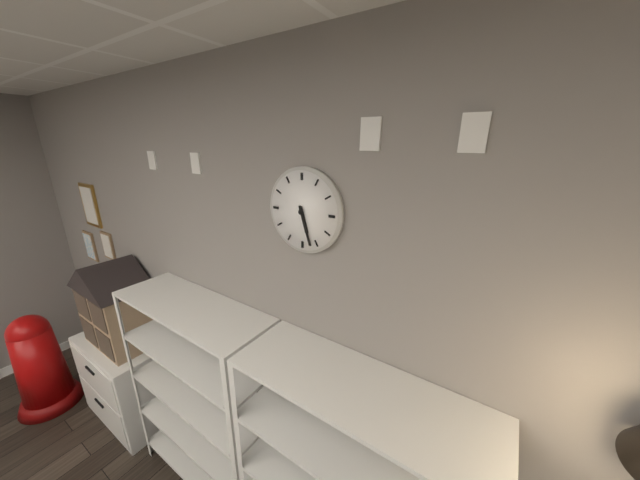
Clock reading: 5.27
